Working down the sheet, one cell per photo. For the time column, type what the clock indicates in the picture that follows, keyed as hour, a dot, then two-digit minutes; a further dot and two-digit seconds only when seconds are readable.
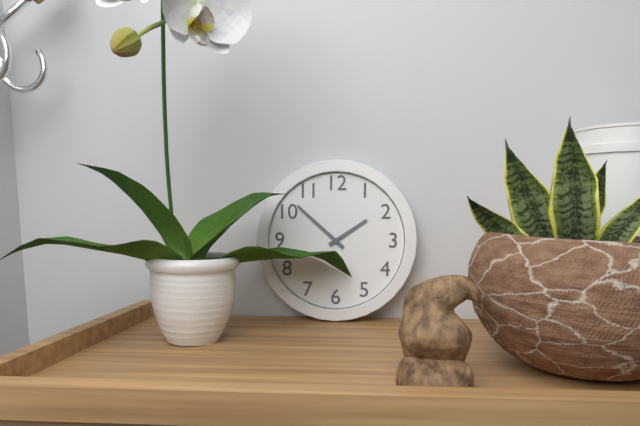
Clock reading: 1.52
